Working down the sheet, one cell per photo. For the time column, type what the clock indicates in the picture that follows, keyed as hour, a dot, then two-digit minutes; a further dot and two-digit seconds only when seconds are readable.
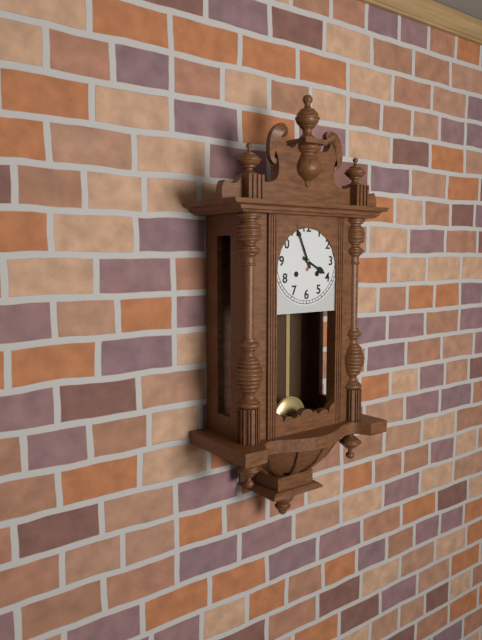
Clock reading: 3.56
